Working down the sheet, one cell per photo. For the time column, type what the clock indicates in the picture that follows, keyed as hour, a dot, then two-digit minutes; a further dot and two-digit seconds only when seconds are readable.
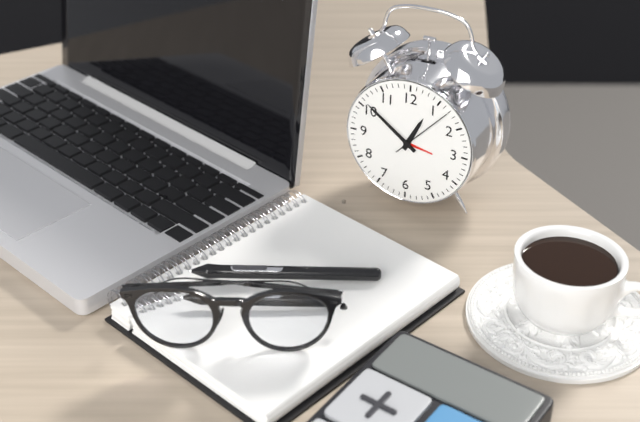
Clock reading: 12.51
